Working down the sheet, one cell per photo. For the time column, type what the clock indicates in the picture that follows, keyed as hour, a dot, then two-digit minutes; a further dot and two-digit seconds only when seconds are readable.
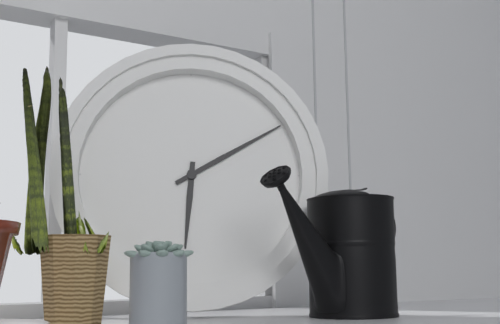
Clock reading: 6.10
